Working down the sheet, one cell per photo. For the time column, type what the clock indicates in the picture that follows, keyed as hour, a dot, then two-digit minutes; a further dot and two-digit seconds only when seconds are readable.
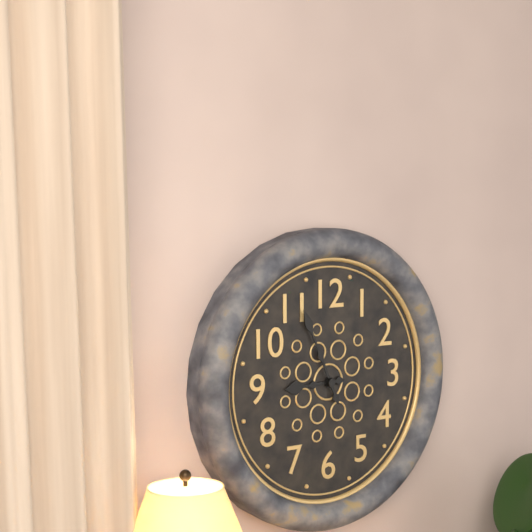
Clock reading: 8.56
